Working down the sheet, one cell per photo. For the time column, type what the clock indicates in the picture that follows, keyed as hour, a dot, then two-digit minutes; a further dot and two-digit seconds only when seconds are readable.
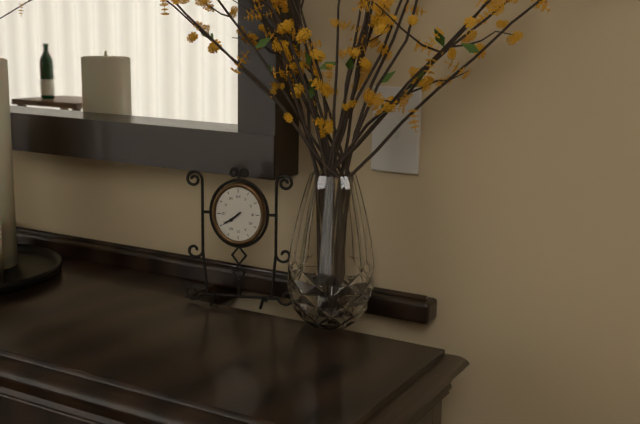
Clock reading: 7.39
